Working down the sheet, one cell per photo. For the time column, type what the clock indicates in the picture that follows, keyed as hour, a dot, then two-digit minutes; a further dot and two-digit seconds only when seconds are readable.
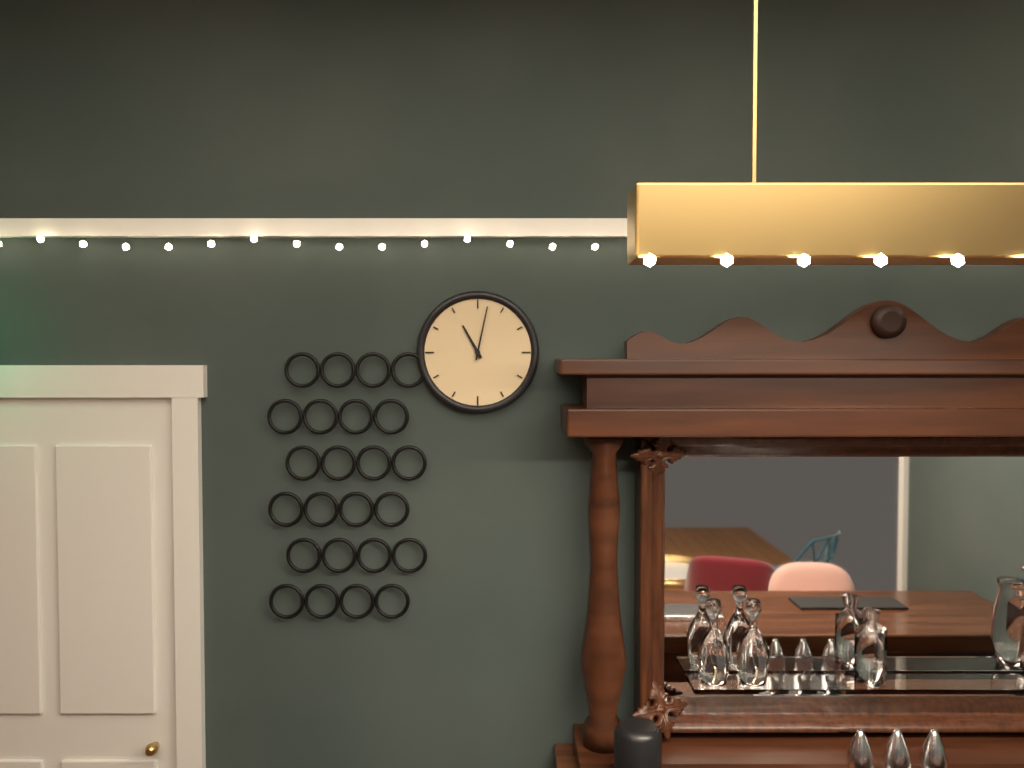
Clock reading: 11.02
